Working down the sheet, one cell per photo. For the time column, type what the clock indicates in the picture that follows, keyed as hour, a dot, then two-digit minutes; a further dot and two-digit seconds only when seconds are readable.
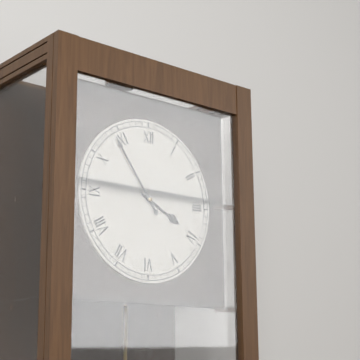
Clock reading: 3.54
